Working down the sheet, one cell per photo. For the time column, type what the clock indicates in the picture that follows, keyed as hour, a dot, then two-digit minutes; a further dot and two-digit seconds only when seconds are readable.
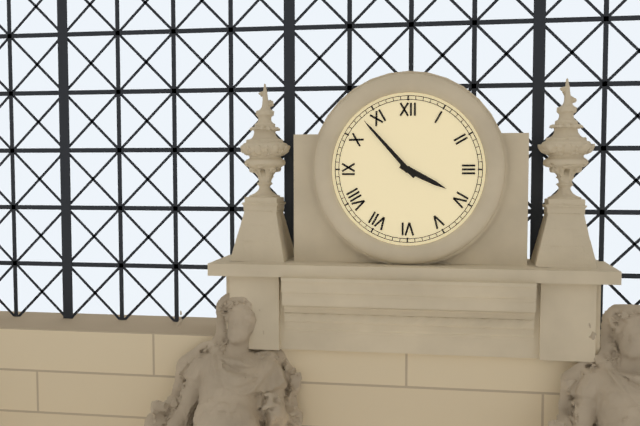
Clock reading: 3.53
